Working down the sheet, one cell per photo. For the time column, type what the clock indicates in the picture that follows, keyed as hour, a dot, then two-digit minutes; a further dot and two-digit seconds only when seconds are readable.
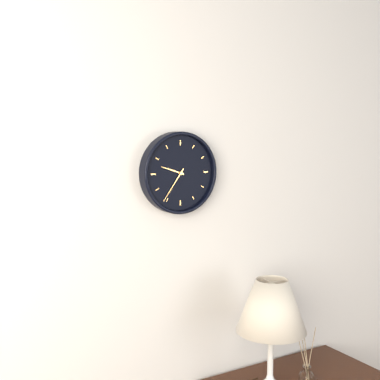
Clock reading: 9.36
